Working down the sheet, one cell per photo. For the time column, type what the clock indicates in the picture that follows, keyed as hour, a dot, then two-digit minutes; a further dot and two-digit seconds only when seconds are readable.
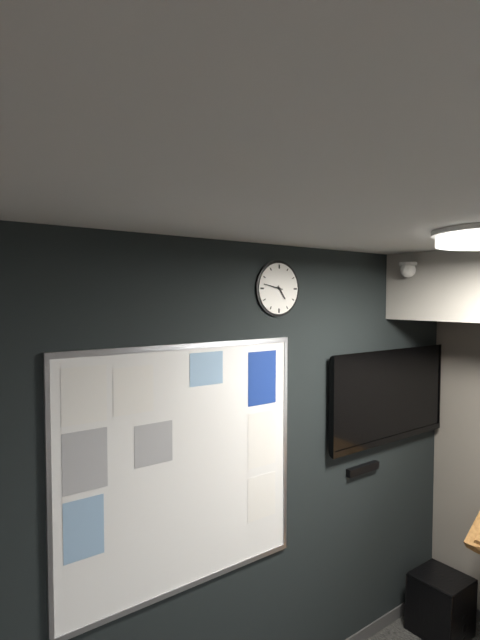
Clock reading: 4.47
